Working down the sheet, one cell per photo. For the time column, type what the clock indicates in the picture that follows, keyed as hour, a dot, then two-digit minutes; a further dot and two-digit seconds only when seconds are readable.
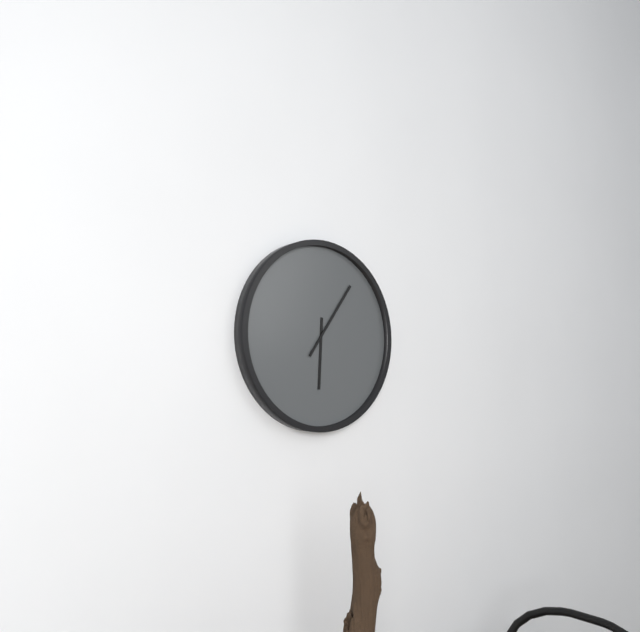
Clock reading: 6.06
